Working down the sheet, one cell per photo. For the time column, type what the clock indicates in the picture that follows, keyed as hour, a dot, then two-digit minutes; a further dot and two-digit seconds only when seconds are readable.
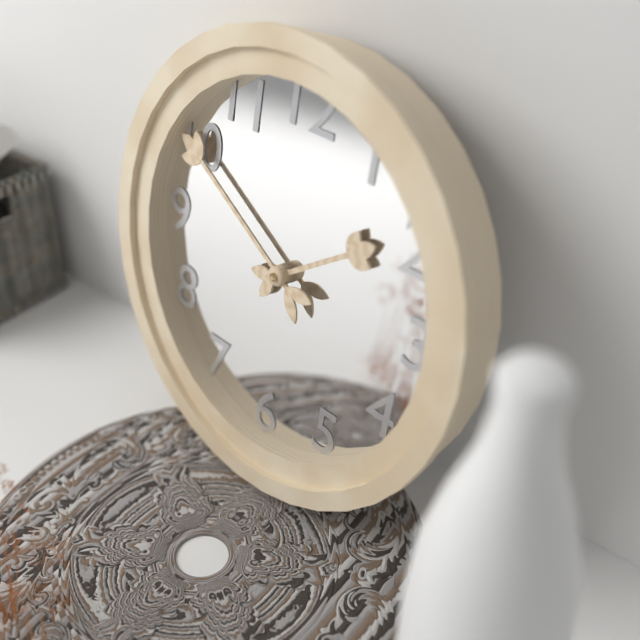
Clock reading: 1.50
